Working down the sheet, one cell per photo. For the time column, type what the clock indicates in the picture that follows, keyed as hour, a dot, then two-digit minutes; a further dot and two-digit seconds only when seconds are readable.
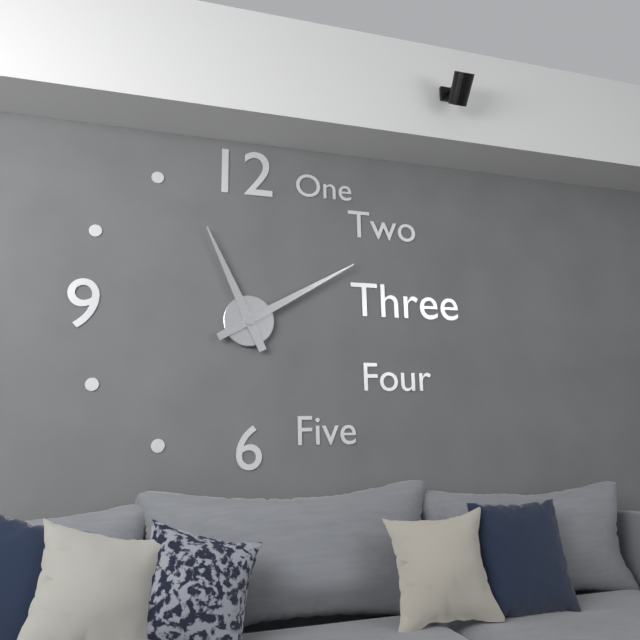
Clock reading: 11.10
